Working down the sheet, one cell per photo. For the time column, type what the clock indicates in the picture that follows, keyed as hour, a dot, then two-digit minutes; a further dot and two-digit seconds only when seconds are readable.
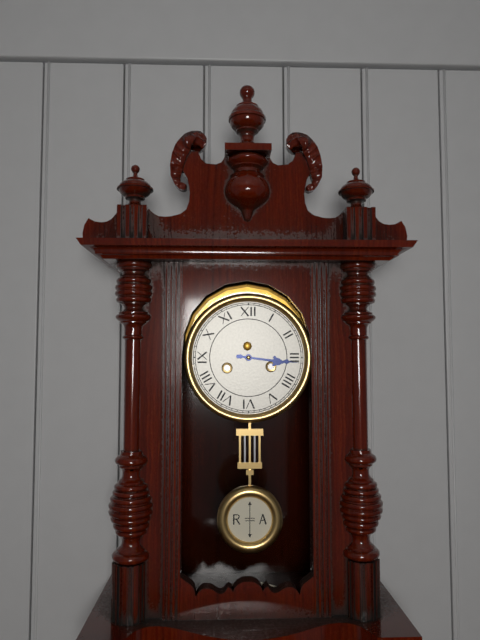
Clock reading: 3.16
